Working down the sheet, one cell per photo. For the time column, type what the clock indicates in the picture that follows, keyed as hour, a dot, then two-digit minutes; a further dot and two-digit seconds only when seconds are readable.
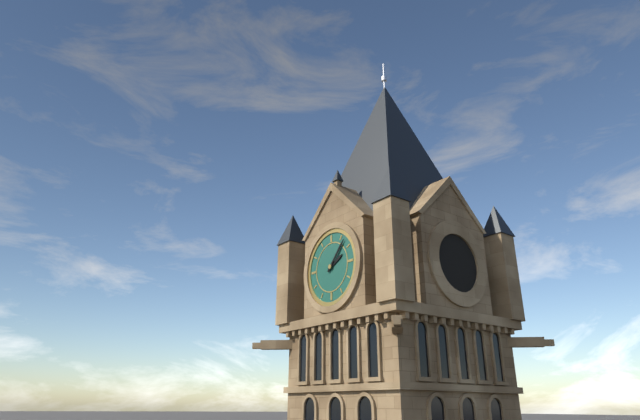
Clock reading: 2.07
